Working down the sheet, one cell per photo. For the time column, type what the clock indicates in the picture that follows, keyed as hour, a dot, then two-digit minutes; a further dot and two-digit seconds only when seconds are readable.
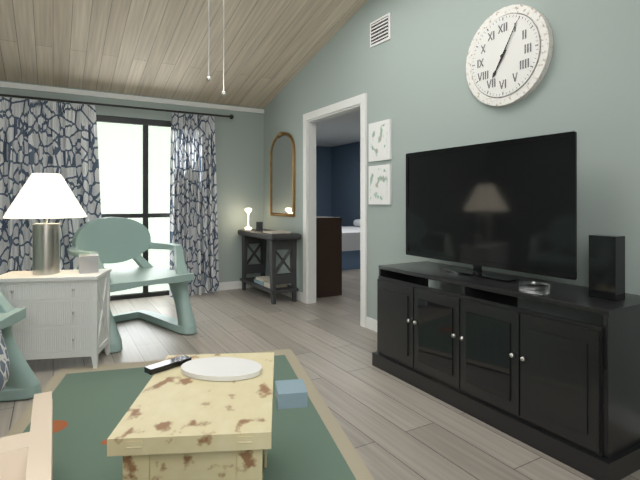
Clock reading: 7.05
